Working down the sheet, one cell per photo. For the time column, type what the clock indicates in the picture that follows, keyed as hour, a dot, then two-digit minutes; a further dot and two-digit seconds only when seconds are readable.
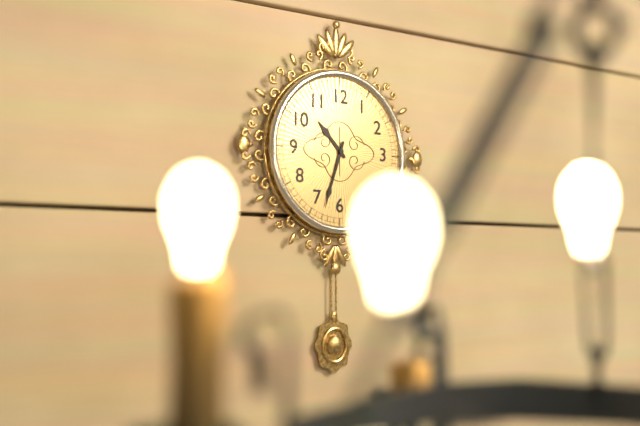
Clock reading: 10.33
